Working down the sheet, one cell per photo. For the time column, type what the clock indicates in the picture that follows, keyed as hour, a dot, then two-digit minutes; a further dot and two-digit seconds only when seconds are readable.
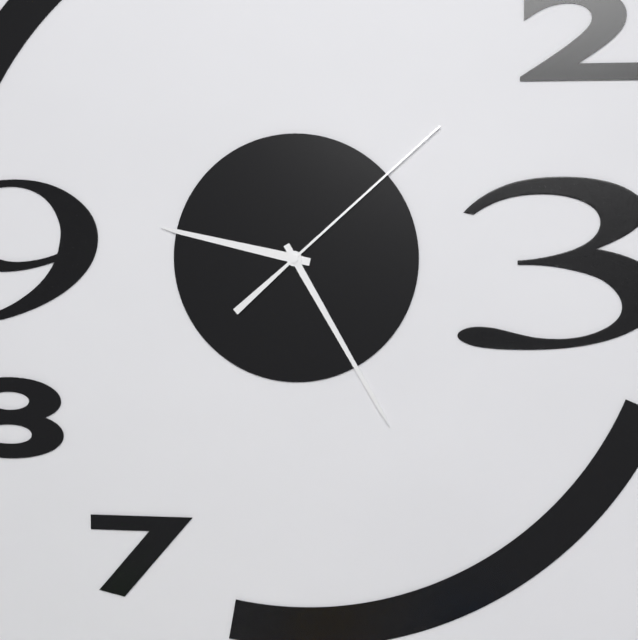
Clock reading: 9.25.08
